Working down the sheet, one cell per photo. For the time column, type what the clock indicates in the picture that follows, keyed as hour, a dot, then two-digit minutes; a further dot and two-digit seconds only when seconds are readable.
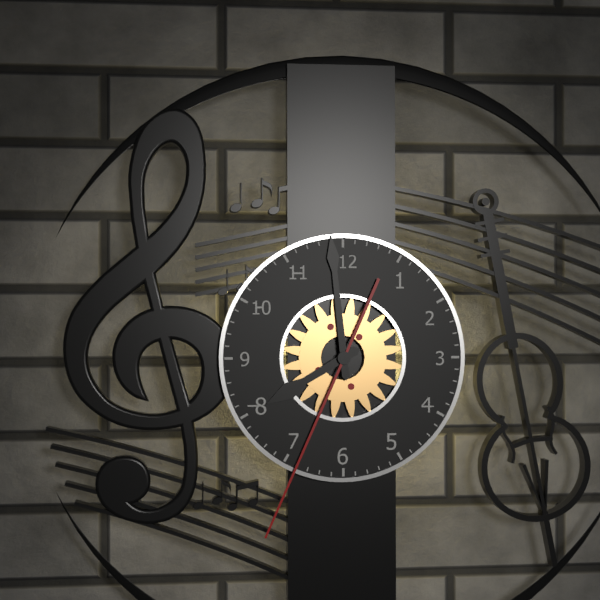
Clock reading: 7.59.34
